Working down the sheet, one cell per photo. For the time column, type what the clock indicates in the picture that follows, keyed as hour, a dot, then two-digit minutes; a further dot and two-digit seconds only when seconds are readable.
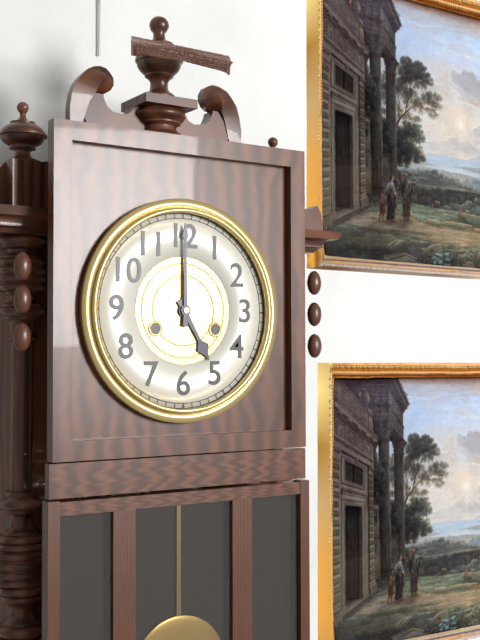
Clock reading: 5.00
